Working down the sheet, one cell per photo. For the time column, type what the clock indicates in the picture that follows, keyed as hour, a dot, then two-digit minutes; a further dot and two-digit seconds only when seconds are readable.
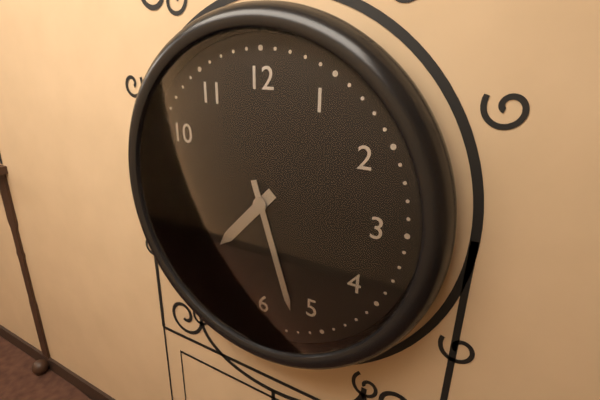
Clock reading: 7.27
